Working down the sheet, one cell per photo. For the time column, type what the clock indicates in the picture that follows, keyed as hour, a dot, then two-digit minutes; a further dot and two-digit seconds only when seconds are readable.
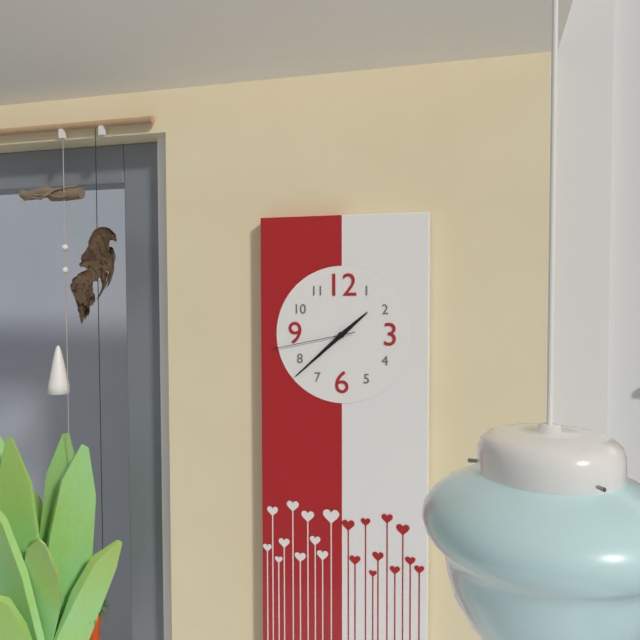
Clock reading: 1.38.43
